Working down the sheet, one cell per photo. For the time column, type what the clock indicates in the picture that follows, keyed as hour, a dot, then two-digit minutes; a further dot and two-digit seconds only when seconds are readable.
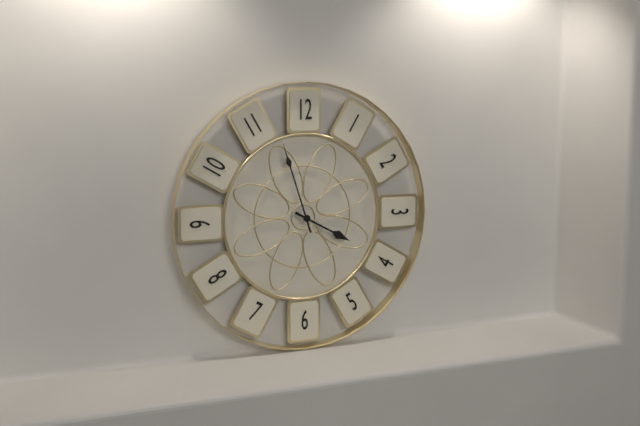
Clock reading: 3.57
